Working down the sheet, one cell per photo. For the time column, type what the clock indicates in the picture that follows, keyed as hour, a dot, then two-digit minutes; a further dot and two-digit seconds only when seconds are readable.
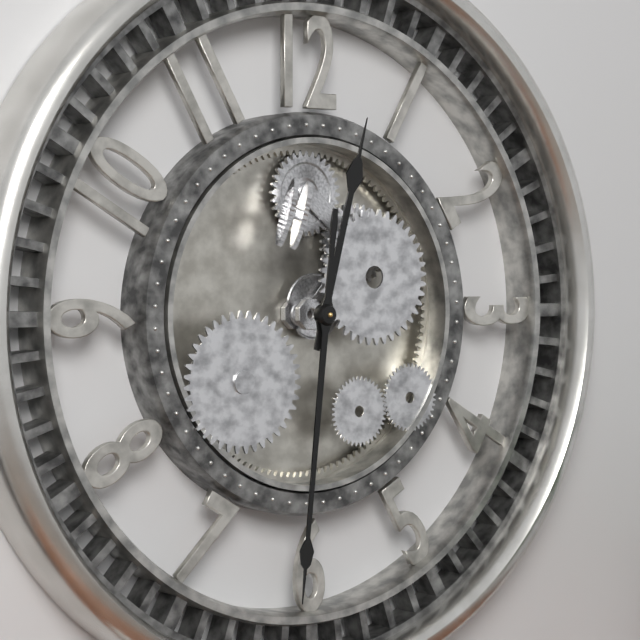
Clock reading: 12.31
